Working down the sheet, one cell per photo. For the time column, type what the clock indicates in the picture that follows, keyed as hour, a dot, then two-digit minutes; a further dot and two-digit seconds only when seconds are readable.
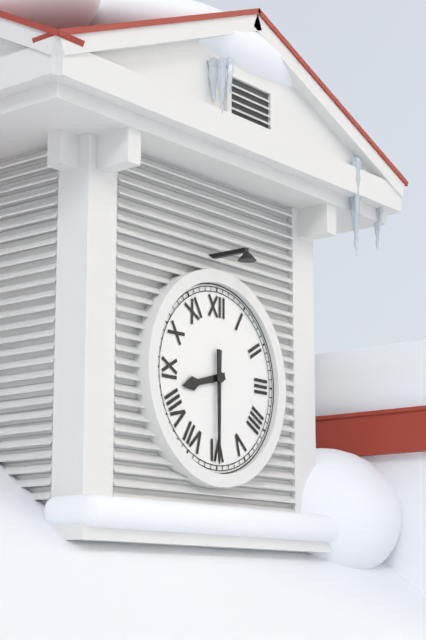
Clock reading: 8.30
